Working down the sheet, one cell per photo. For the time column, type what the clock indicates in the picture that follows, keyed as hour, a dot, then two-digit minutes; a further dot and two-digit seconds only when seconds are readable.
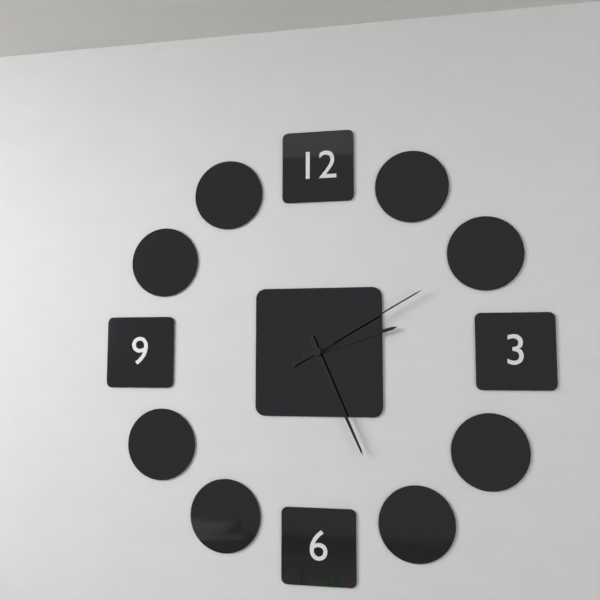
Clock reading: 2.26.10
